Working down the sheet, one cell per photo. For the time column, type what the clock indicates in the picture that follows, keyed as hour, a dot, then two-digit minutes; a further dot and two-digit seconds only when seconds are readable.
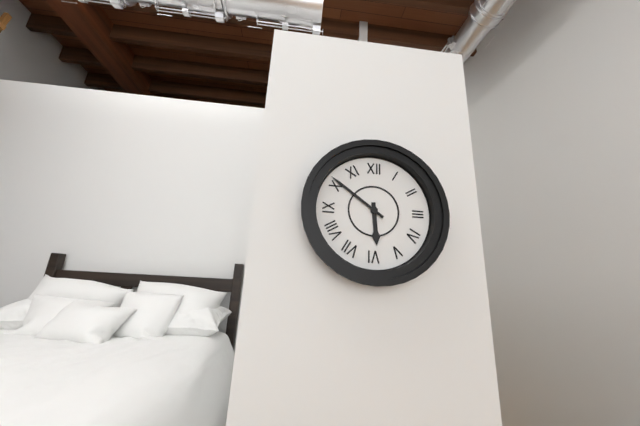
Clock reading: 5.51
